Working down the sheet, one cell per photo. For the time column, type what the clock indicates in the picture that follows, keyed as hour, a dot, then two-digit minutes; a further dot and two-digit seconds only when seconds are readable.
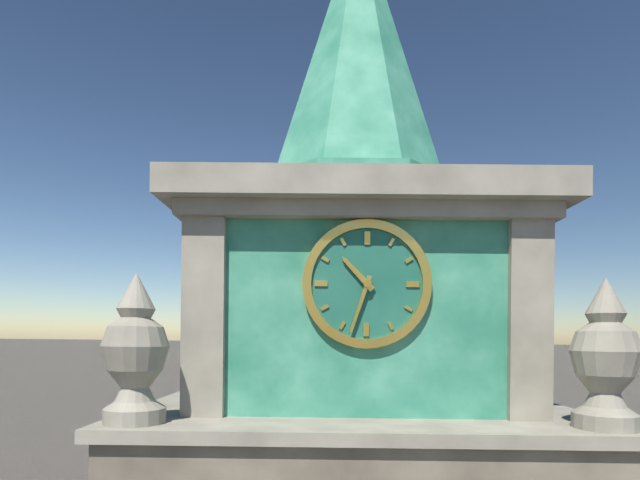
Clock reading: 10.33
